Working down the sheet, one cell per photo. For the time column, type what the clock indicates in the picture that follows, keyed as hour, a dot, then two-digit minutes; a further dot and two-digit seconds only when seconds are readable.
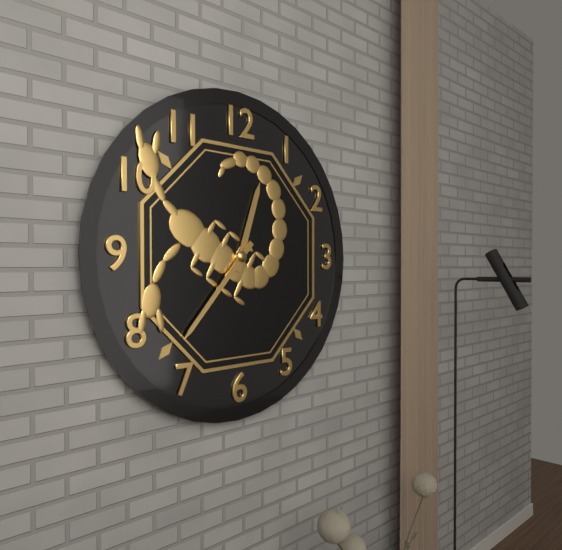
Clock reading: 12.37
